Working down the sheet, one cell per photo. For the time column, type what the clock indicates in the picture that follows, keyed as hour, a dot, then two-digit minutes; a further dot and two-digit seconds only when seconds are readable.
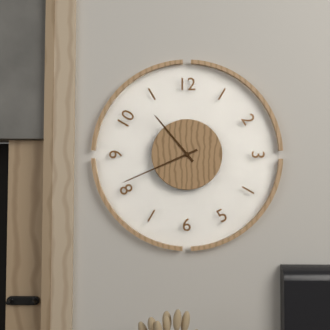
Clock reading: 10.41
